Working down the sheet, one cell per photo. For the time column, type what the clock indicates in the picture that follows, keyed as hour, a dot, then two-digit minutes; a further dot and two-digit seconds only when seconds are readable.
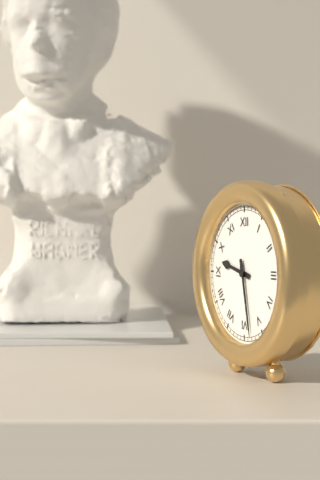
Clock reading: 9.28
